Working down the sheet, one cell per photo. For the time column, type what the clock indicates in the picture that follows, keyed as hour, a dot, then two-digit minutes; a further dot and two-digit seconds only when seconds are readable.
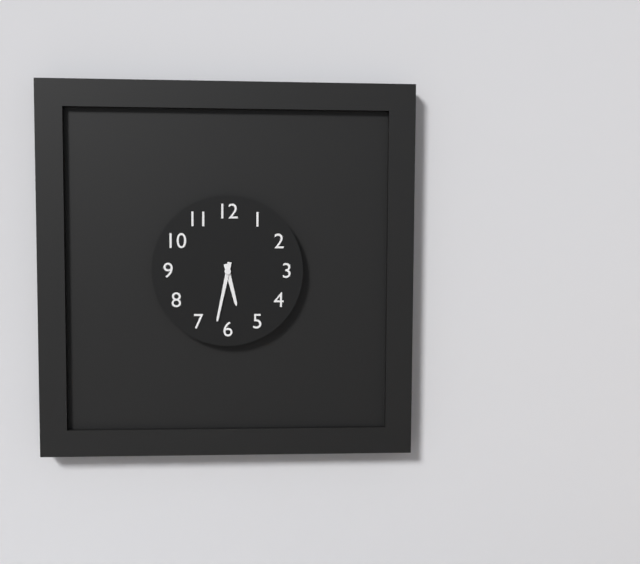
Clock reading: 5.32
